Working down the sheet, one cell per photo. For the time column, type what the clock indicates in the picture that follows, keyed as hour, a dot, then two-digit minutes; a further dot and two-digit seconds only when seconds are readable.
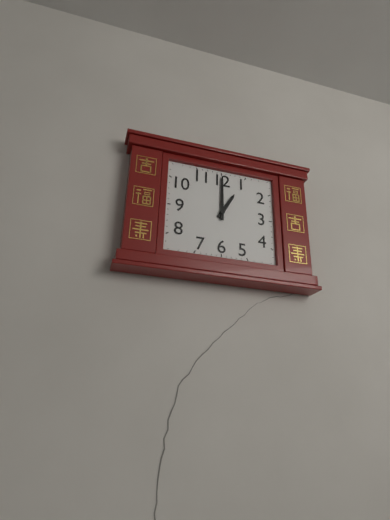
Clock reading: 1.00
